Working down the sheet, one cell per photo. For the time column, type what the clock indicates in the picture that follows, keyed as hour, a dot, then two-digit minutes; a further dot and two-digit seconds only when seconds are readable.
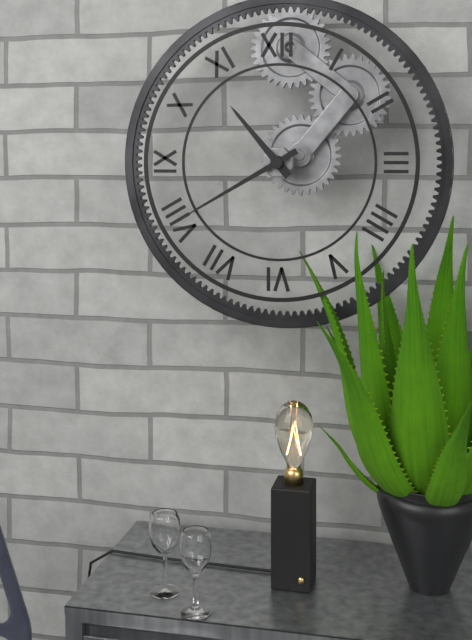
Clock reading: 10.40
